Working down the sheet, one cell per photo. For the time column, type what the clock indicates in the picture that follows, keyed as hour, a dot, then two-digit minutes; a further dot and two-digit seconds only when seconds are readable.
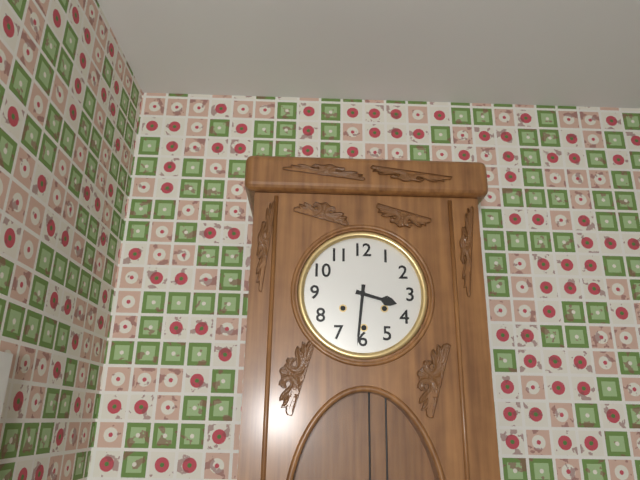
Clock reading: 3.31
